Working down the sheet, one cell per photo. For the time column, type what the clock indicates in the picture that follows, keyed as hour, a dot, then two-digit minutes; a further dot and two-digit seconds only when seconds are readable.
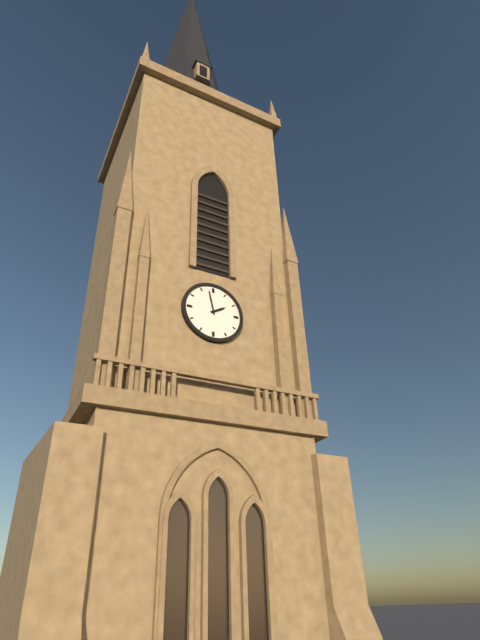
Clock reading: 1.58
